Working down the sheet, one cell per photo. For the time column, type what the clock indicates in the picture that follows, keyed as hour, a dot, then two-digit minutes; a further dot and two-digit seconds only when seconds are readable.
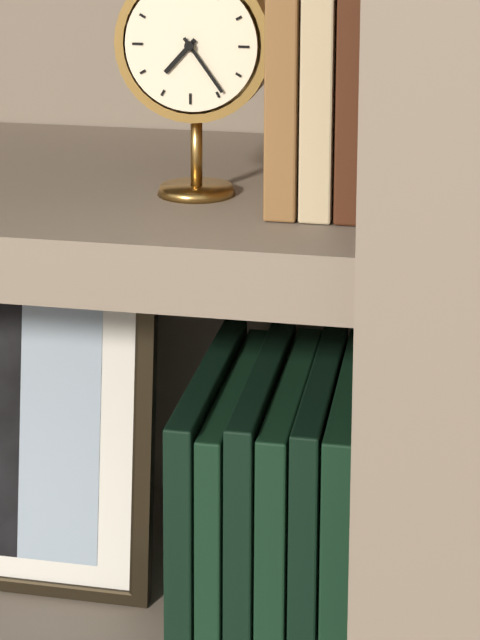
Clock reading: 7.24
